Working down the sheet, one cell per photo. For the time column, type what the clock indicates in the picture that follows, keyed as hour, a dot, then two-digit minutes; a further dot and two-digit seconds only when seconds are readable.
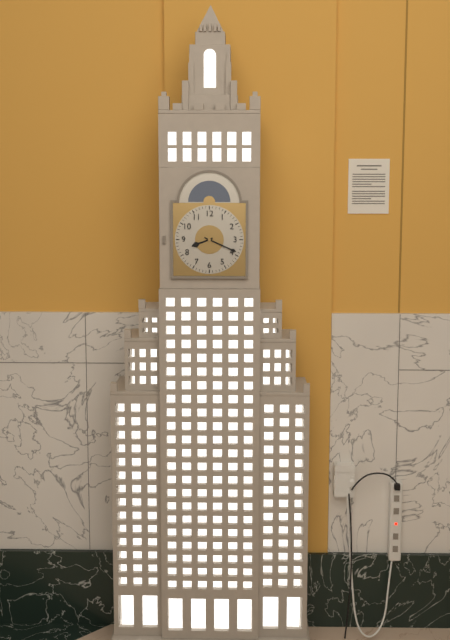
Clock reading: 8.19
